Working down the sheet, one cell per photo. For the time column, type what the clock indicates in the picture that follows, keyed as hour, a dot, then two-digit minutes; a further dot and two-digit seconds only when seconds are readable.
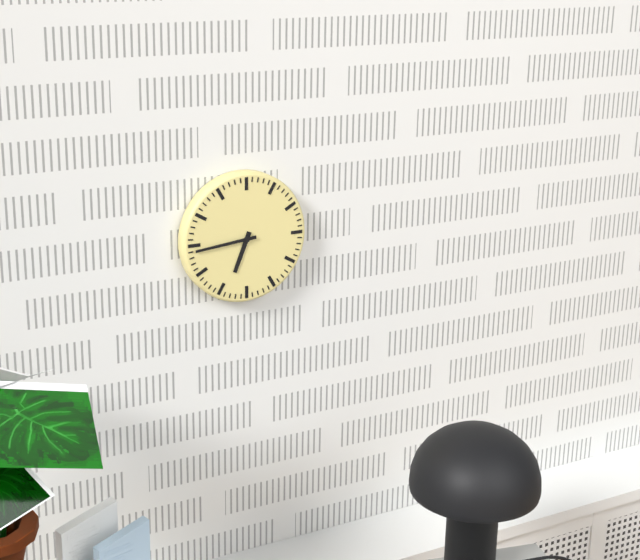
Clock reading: 6.44
